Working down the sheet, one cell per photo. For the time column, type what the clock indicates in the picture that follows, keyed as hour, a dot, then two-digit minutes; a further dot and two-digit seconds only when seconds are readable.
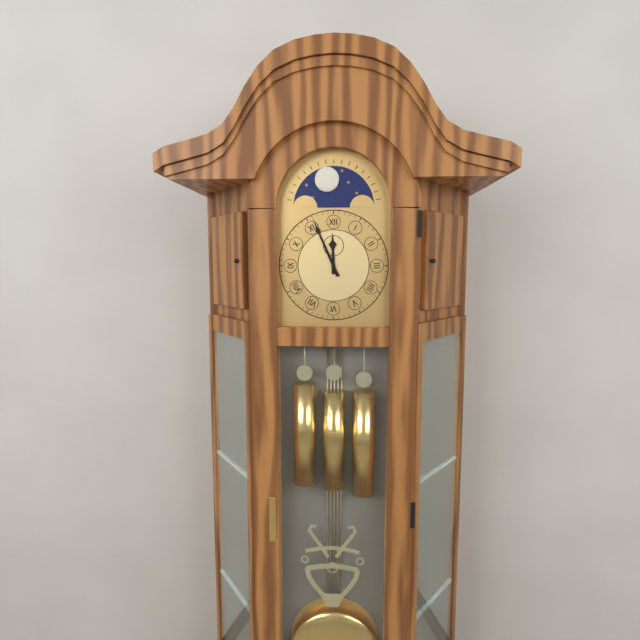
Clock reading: 11.56
